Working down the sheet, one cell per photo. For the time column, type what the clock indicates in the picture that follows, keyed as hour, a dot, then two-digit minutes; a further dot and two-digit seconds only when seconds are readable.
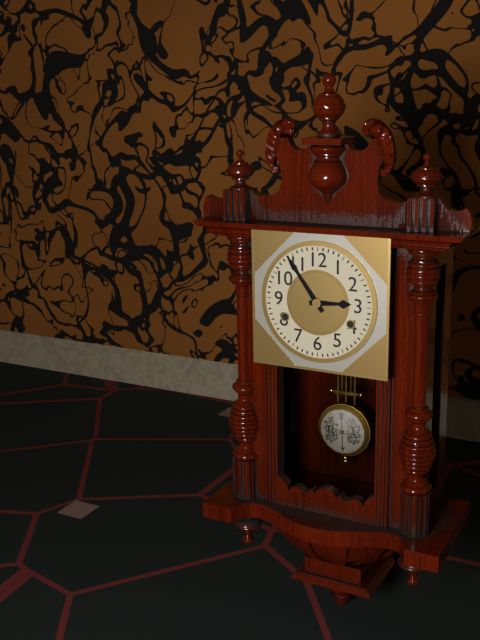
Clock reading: 2.54
